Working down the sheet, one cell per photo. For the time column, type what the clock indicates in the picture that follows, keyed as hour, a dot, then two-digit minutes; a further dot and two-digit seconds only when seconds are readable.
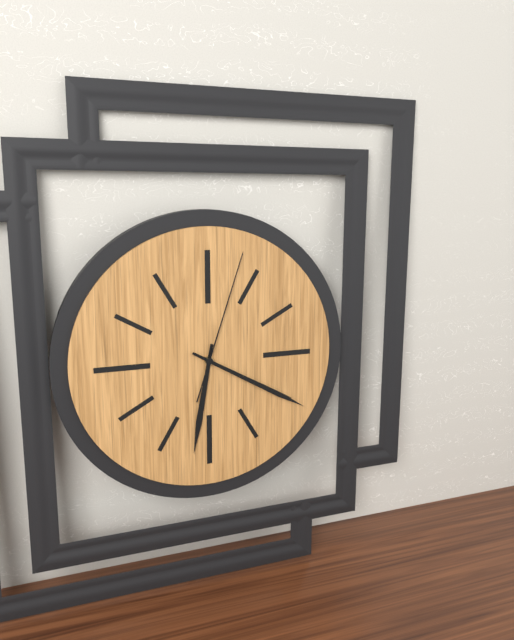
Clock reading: 6.20.03
